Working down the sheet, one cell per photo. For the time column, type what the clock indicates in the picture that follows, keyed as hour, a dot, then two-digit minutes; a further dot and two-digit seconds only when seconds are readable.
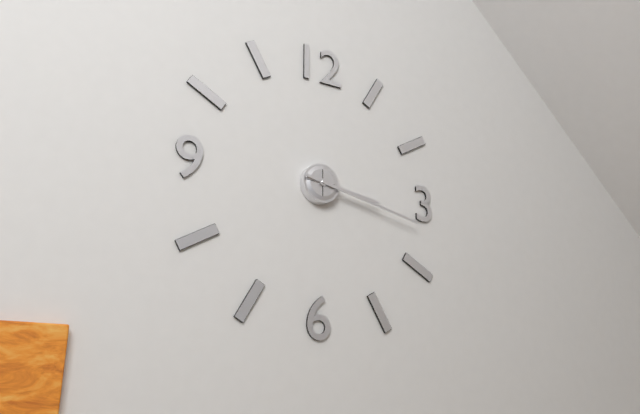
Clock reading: 3.17
